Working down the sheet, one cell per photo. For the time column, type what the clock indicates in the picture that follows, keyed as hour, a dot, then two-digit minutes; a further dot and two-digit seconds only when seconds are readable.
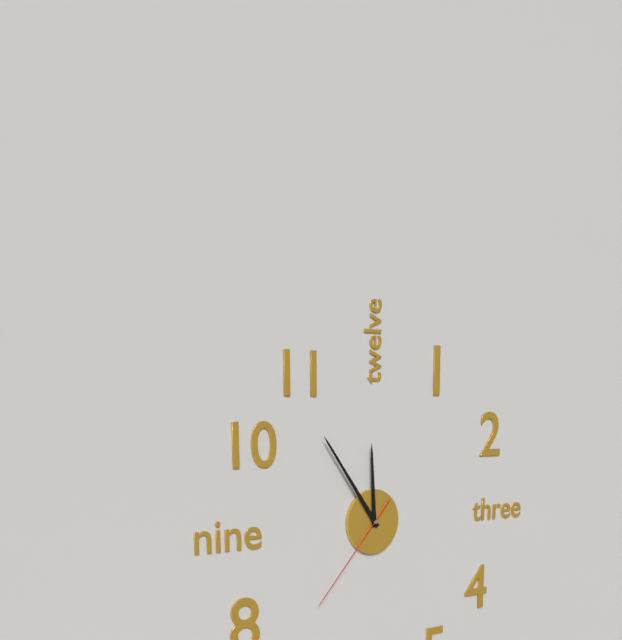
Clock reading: 11.54.37
